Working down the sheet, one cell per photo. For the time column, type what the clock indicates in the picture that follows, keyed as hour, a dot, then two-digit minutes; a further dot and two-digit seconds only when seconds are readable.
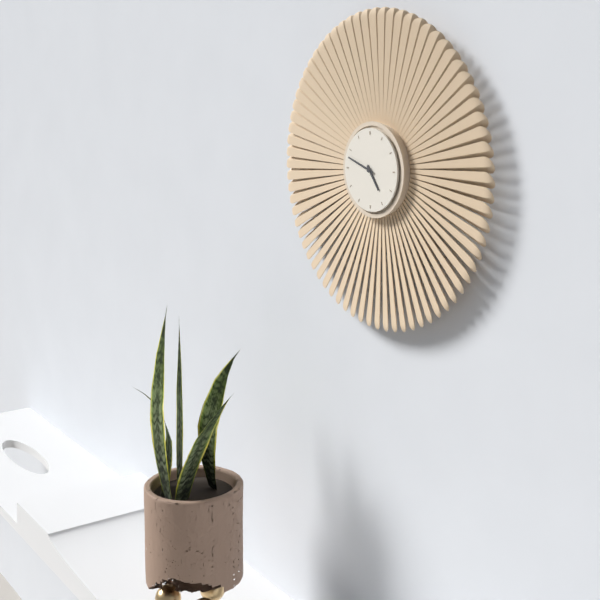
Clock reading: 4.48
